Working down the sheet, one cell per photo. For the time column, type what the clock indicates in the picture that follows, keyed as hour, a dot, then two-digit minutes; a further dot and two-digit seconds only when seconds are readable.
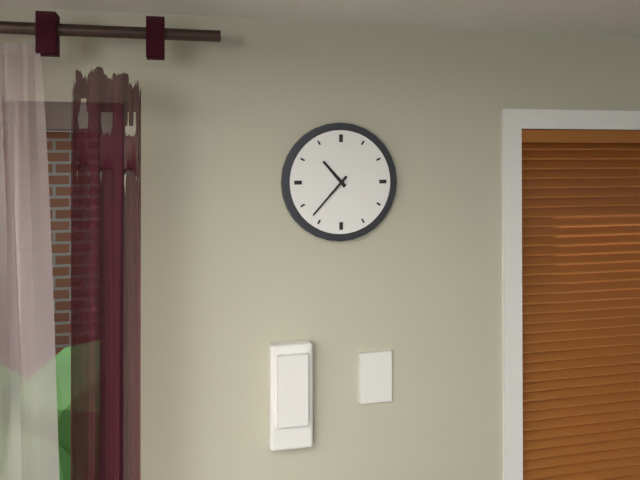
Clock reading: 10.37
